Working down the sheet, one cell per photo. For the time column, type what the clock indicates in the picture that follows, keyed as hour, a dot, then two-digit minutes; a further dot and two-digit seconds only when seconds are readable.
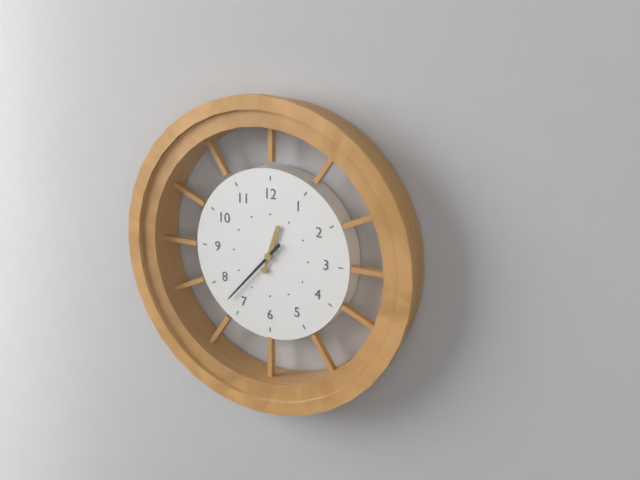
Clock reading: 12.37
